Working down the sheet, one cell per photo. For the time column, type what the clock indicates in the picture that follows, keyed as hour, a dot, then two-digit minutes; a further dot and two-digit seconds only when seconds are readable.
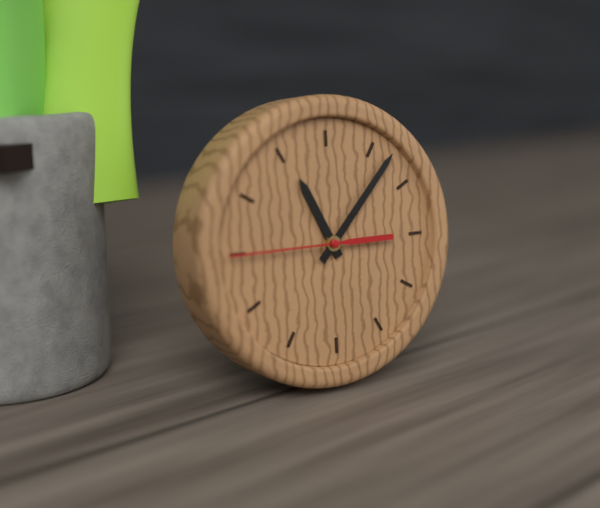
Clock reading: 11.07.45
